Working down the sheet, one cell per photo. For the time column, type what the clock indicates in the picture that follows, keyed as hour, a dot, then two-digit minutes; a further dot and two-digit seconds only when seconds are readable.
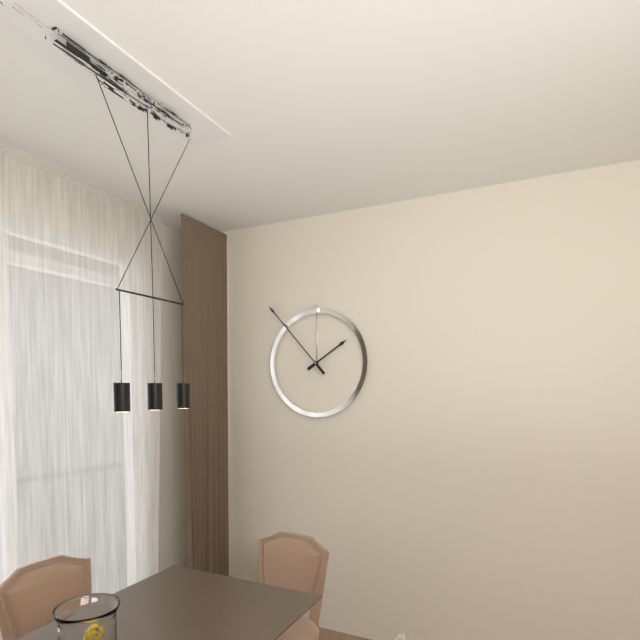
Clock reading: 1.53
